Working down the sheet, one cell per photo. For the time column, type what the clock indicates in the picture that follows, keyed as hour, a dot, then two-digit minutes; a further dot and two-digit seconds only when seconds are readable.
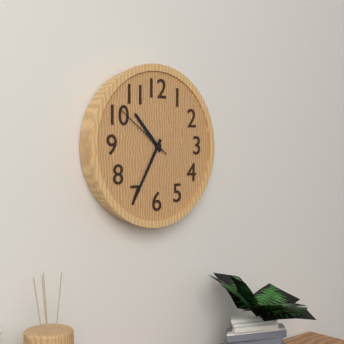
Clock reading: 10.35.51
